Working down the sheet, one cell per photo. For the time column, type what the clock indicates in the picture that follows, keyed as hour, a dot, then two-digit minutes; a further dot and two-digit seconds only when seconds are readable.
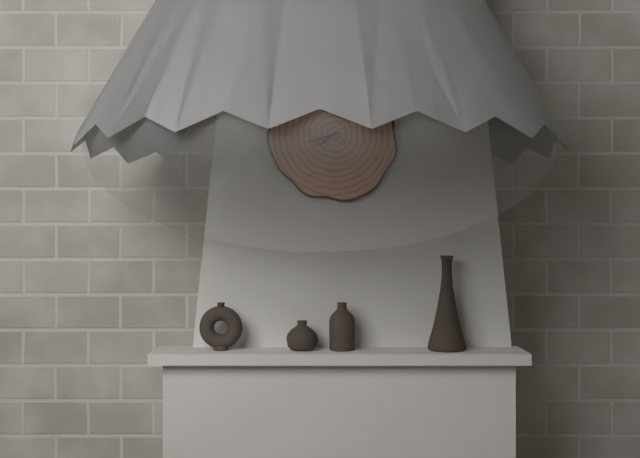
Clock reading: 7.42
